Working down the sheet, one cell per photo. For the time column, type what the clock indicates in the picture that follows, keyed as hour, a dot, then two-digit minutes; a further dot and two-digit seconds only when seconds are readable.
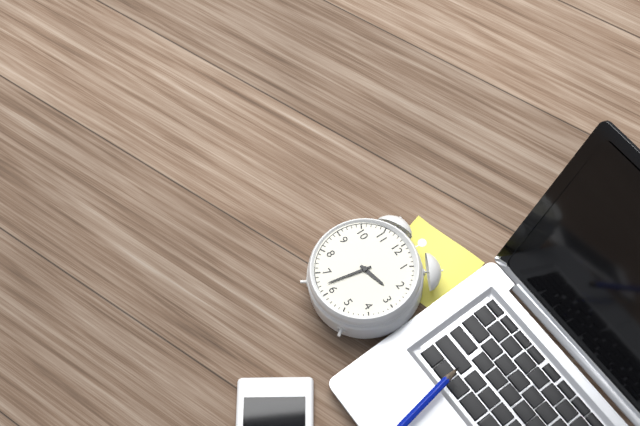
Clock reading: 2.32
